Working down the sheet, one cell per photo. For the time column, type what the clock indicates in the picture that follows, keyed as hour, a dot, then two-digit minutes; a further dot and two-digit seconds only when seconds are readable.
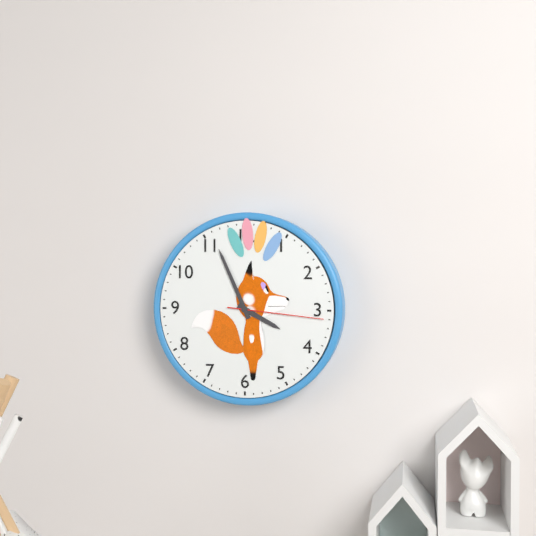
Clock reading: 3.56.16
